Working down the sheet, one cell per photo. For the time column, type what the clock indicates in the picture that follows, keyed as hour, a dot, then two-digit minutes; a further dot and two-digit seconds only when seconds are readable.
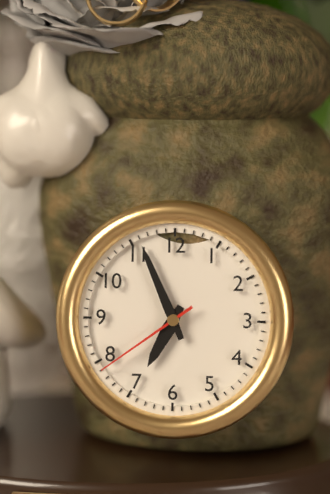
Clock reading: 6.56.39
